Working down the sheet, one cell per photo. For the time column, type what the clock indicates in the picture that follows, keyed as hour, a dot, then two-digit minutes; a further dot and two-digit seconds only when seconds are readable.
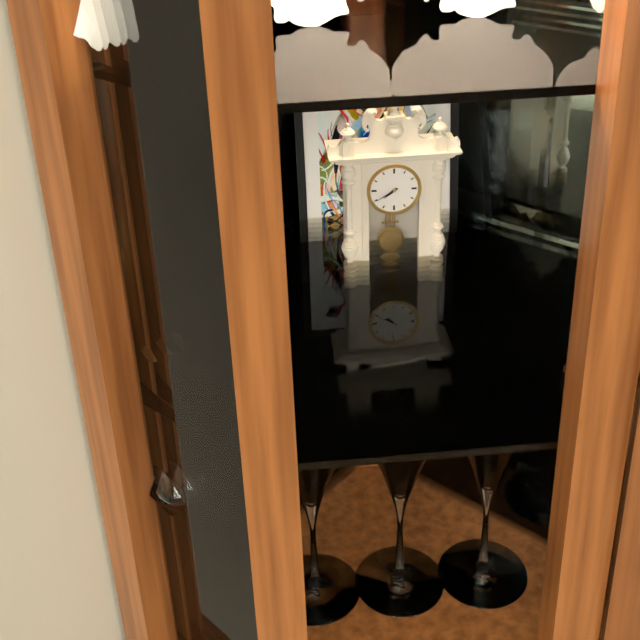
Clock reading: 7.40
